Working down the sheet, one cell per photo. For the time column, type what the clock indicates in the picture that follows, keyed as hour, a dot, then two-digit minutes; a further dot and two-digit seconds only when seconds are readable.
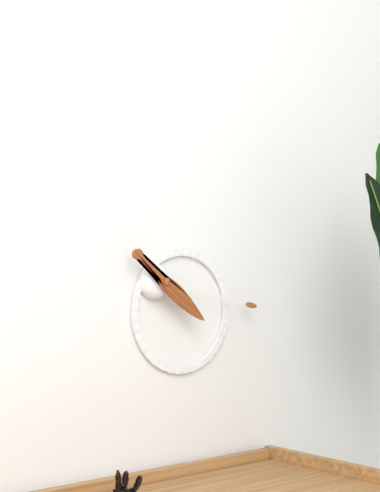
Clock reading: 4.17
